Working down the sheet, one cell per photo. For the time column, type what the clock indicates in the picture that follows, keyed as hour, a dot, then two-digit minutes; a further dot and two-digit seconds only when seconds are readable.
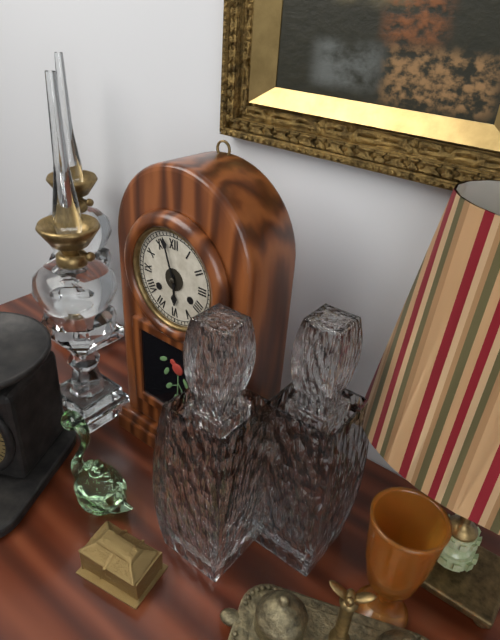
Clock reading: 5.57
